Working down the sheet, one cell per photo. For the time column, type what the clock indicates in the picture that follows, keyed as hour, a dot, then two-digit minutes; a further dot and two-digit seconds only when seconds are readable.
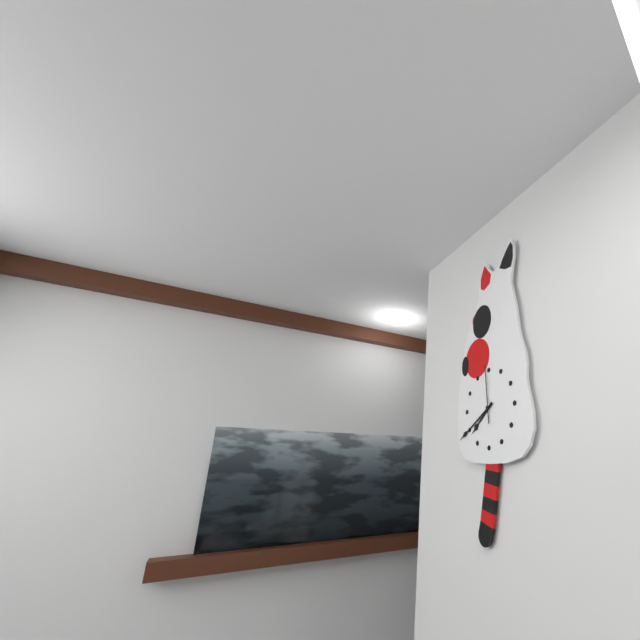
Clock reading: 7.40.59
